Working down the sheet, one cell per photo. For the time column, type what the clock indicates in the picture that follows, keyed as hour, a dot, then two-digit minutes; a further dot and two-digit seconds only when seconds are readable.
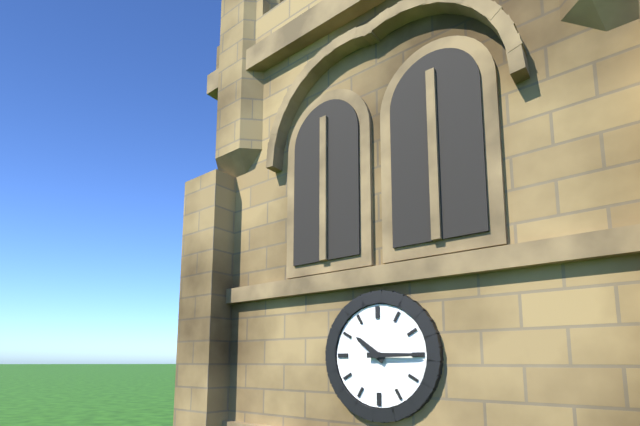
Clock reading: 10.15
